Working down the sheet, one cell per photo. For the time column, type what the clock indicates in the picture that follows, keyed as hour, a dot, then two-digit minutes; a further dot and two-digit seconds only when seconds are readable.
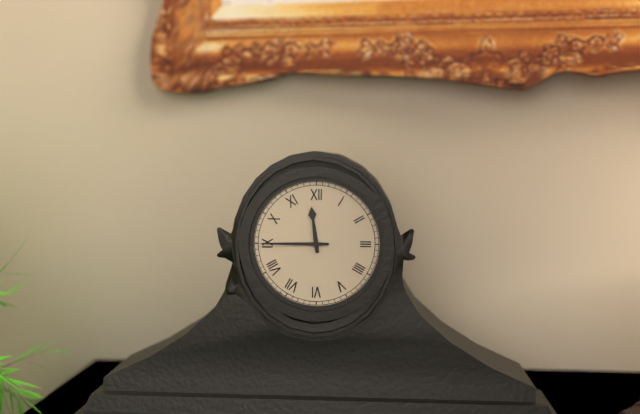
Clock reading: 11.45
